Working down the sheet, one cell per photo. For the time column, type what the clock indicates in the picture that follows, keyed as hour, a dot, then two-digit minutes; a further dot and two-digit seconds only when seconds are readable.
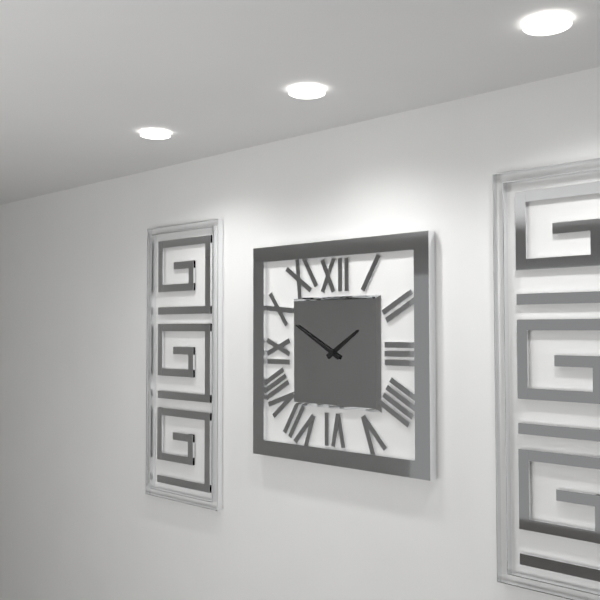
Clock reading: 1.50
